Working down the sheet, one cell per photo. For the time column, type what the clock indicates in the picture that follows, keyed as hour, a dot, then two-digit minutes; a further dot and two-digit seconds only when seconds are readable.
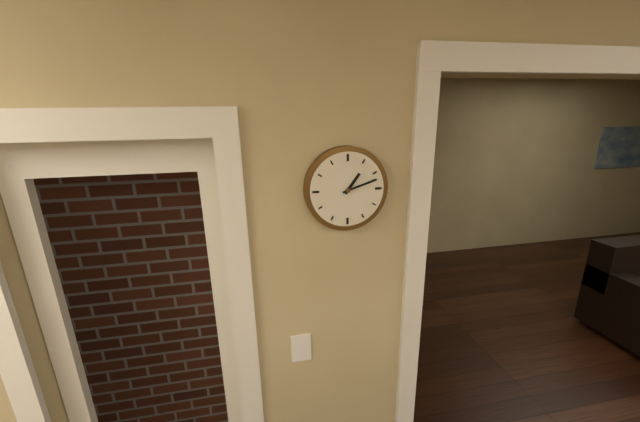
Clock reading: 1.12
